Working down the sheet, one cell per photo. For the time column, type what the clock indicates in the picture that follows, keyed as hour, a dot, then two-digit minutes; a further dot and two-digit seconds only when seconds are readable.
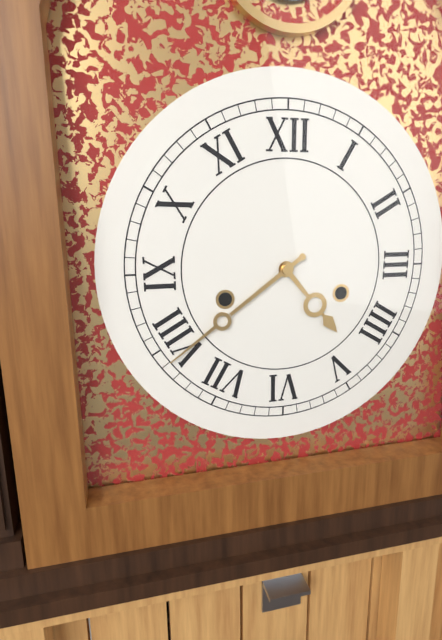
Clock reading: 4.39
